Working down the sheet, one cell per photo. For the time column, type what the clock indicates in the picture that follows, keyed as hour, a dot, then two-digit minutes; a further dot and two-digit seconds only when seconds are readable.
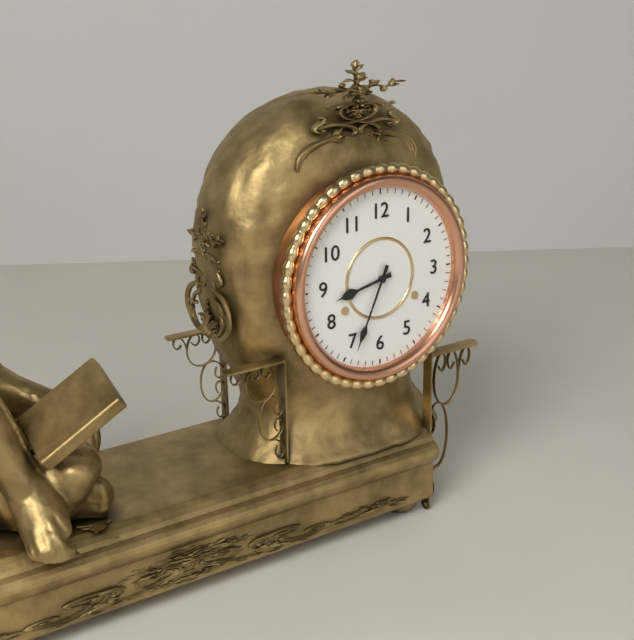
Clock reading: 8.34
